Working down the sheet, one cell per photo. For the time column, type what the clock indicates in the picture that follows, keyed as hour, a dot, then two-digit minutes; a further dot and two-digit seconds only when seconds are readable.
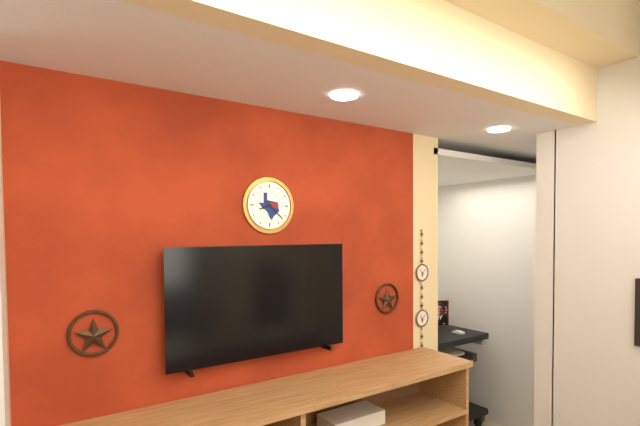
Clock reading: 8.22
